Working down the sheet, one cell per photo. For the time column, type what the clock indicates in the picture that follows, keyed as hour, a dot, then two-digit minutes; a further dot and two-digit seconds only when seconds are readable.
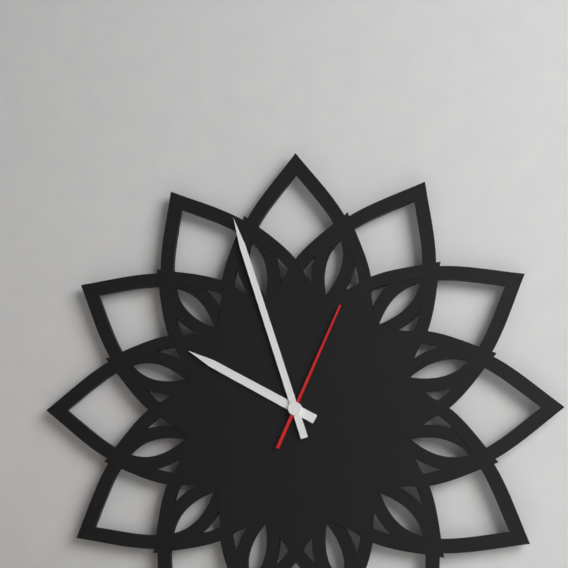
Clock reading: 9.57.04
